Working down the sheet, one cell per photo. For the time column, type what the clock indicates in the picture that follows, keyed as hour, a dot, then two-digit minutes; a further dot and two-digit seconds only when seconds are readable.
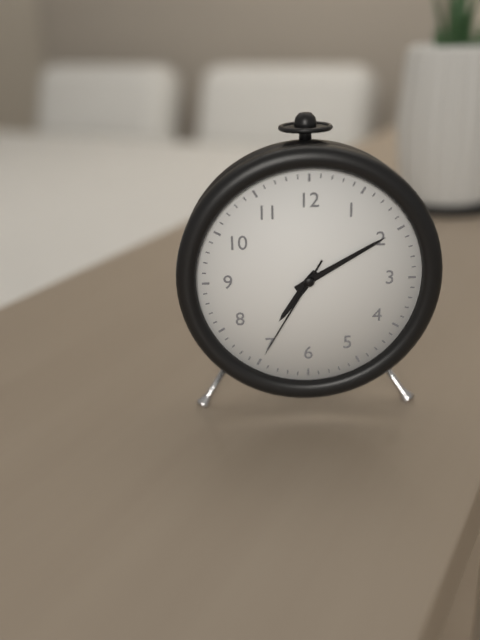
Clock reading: 7.10.35
